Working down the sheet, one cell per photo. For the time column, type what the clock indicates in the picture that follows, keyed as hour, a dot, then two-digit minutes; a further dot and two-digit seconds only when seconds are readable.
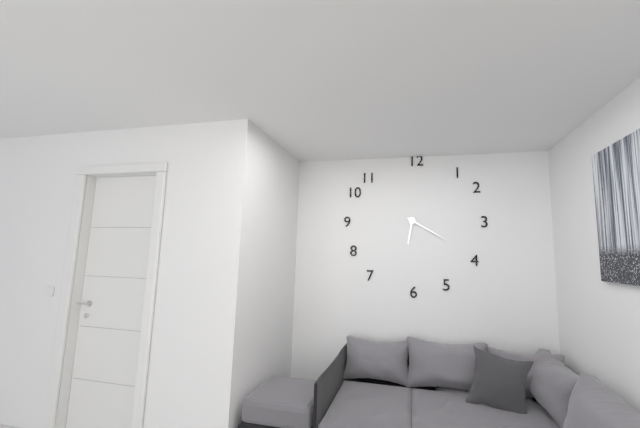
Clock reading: 6.20
